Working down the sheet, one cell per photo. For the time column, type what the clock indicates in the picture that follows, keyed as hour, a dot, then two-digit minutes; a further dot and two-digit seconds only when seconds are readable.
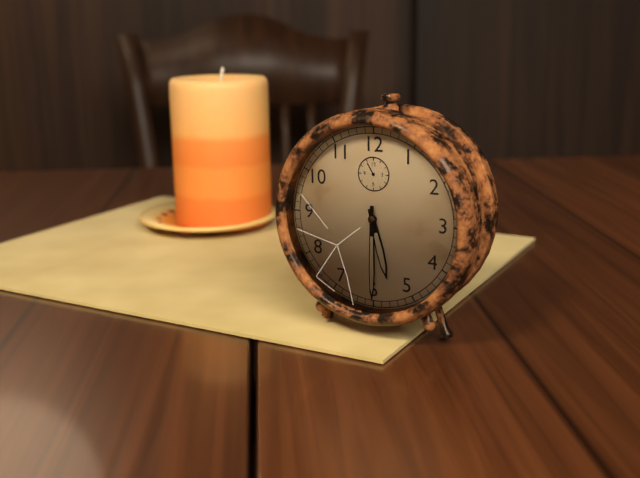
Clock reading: 5.30
